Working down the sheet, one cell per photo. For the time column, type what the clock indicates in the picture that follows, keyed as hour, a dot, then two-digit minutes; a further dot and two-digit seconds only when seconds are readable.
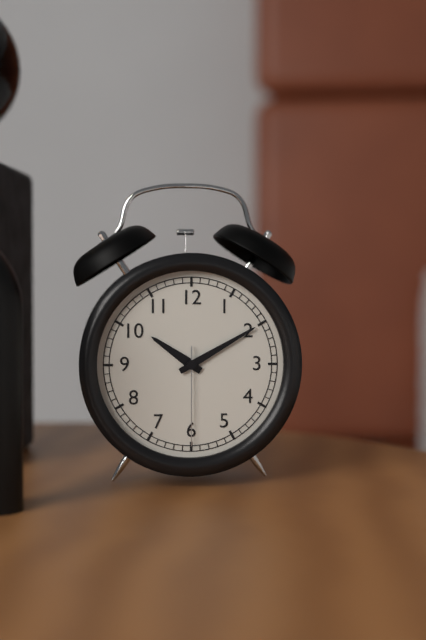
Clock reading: 10.10.30
